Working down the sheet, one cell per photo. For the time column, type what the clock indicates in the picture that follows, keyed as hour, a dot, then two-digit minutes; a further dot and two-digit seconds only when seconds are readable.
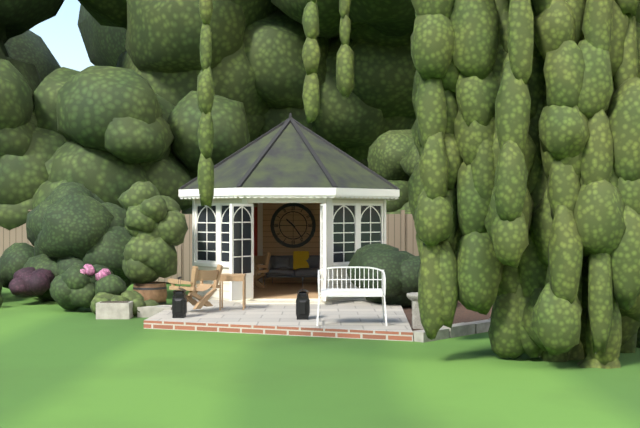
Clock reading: 10.24
